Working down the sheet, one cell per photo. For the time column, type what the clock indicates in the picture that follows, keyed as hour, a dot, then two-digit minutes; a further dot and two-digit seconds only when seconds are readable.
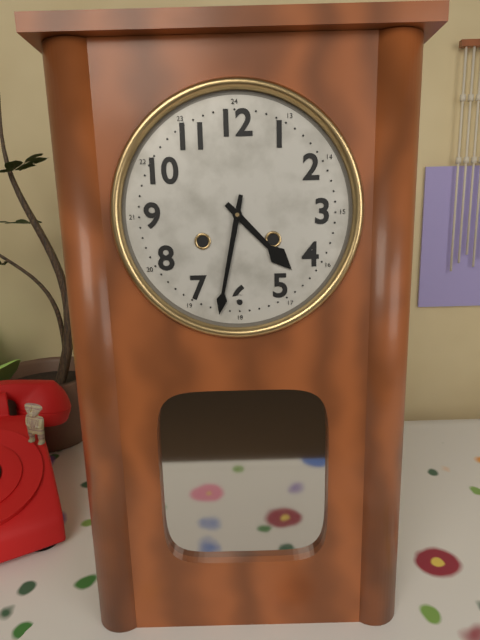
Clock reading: 4.32
